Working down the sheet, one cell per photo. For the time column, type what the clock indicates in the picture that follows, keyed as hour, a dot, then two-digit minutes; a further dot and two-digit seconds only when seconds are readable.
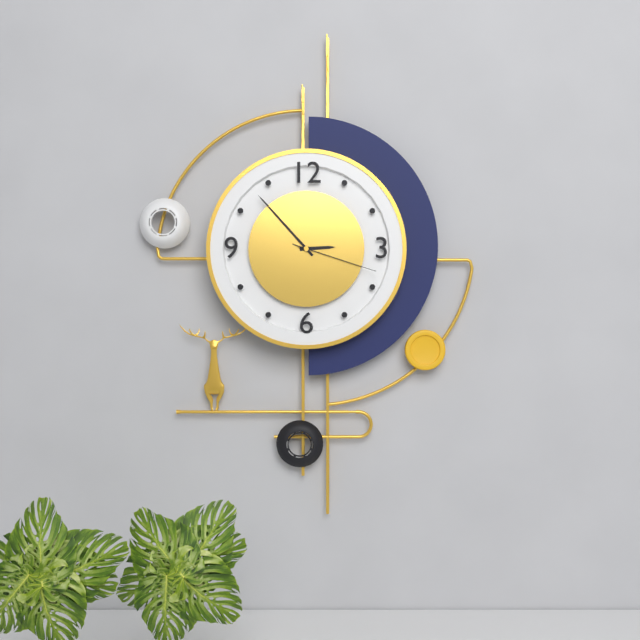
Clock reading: 2.53.18
